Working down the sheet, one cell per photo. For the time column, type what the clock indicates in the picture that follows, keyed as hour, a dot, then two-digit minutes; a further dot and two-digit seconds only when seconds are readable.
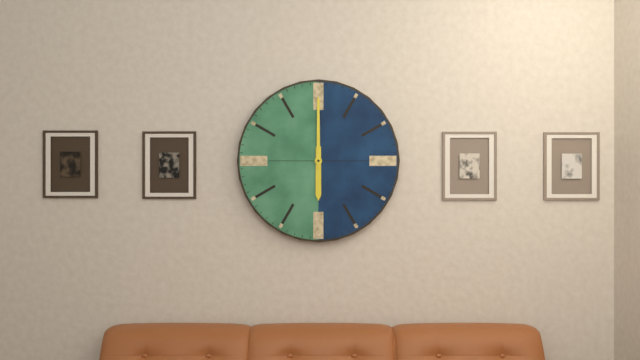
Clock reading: 6.00
